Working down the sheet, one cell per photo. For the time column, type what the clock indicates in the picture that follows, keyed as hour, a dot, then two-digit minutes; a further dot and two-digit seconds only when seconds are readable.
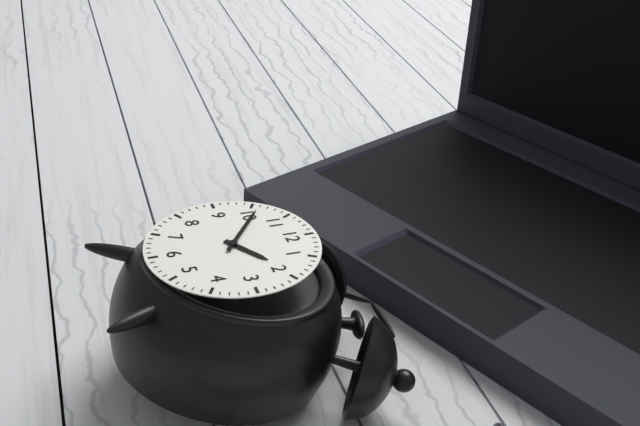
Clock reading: 1.51
